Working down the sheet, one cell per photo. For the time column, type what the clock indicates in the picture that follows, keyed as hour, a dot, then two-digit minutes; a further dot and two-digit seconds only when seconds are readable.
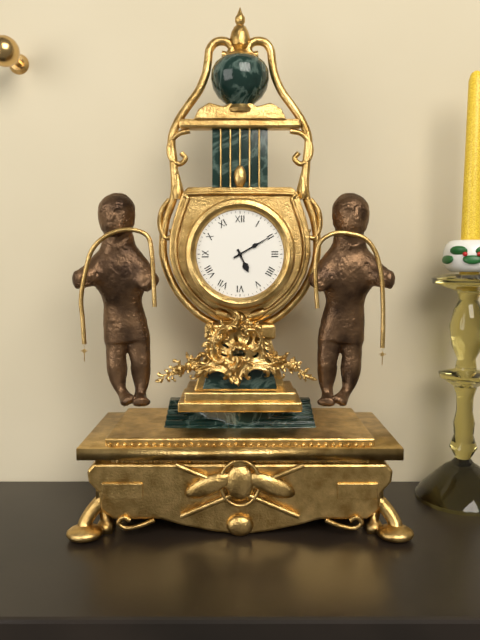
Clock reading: 5.10
